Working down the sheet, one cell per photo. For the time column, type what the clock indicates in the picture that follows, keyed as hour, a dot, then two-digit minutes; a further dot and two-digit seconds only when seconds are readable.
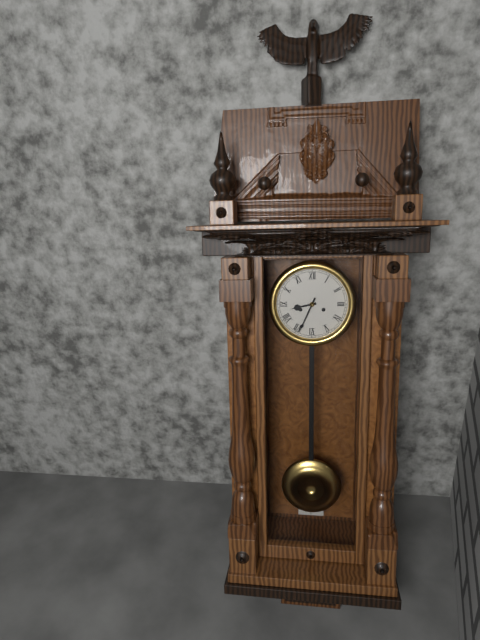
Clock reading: 8.34
